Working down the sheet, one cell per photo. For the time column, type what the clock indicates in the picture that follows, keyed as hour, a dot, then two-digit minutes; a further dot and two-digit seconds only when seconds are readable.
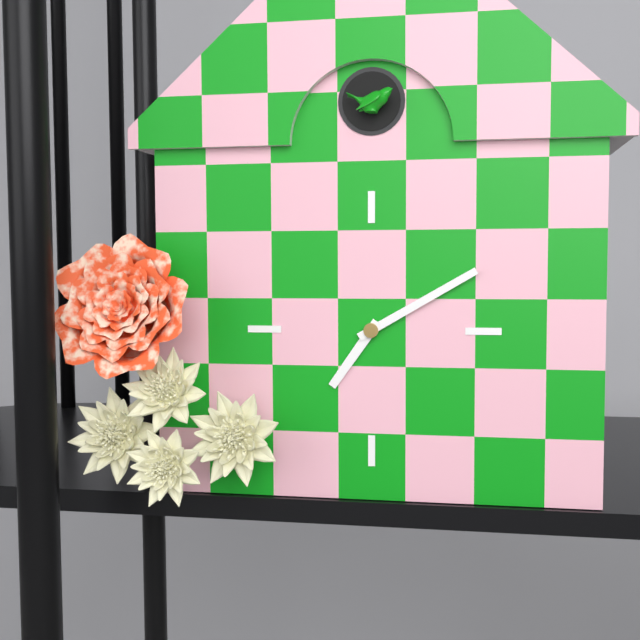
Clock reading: 7.10
